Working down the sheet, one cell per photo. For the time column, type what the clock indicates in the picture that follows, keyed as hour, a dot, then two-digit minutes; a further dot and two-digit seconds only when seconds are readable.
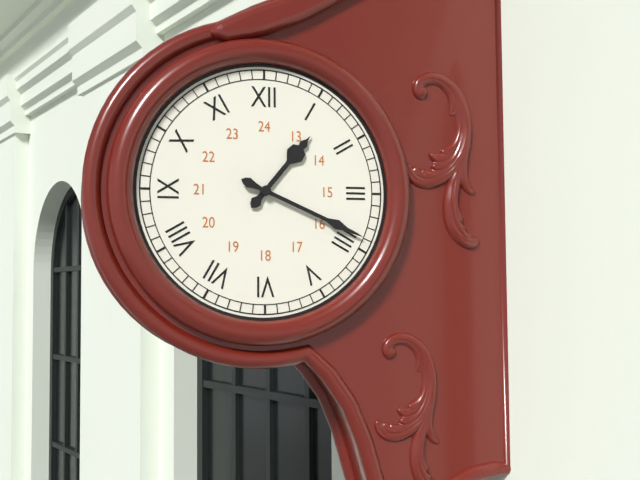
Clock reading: 1.19
